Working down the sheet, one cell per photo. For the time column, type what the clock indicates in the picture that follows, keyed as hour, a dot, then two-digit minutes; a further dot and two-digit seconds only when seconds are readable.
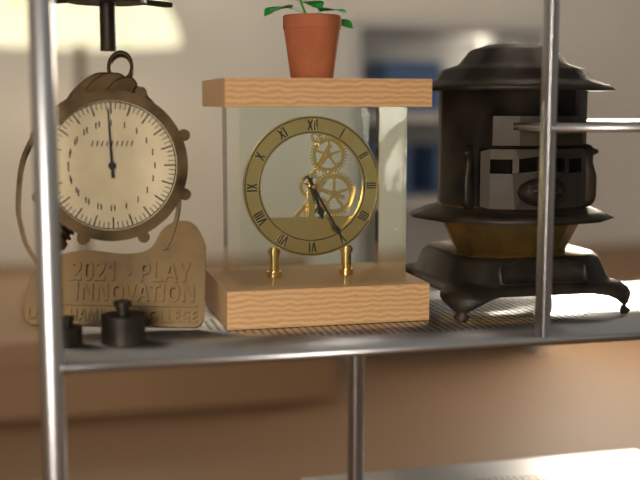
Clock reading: 5.25
